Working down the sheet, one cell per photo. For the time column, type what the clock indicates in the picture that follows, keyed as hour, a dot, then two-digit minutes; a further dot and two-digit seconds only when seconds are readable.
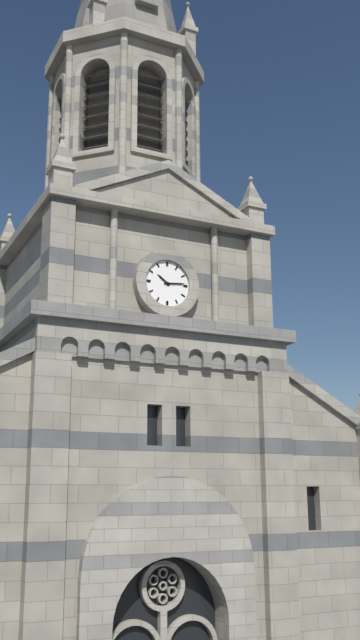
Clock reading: 10.14
